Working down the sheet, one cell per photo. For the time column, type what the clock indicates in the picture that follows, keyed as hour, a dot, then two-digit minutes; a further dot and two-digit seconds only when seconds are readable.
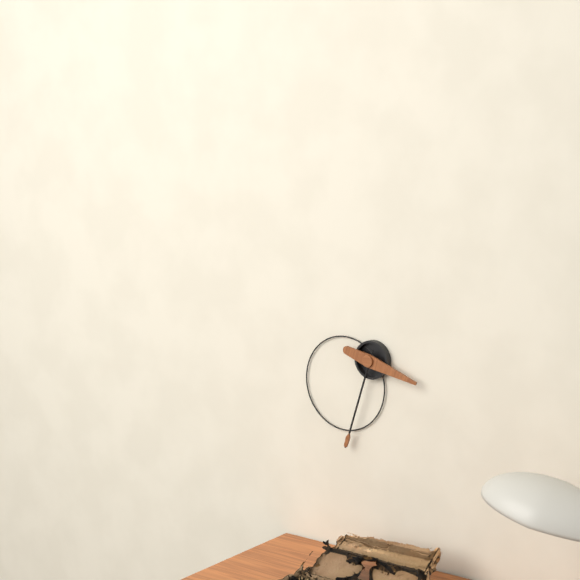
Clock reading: 3.33
